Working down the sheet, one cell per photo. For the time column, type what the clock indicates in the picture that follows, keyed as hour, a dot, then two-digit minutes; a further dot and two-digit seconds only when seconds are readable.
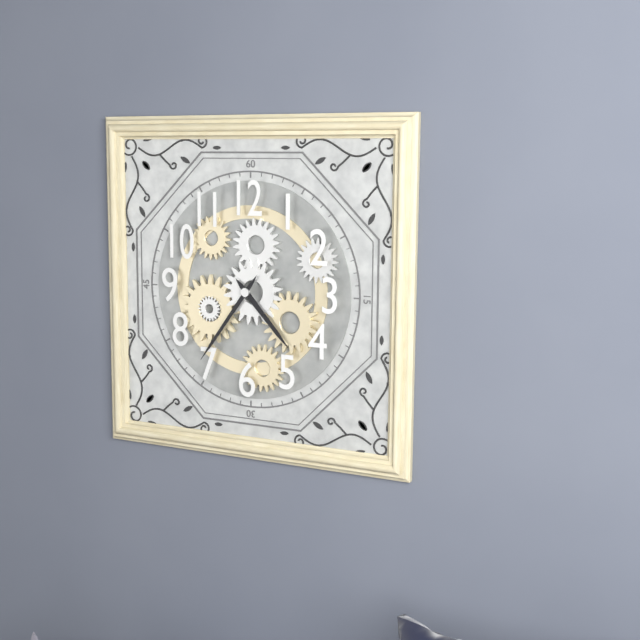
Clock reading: 4.36
